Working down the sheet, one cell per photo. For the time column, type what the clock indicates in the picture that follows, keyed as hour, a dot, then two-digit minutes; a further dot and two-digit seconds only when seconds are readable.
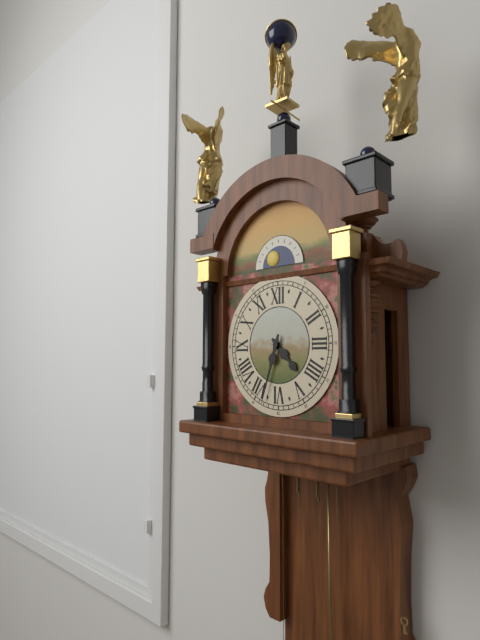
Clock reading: 4.33
